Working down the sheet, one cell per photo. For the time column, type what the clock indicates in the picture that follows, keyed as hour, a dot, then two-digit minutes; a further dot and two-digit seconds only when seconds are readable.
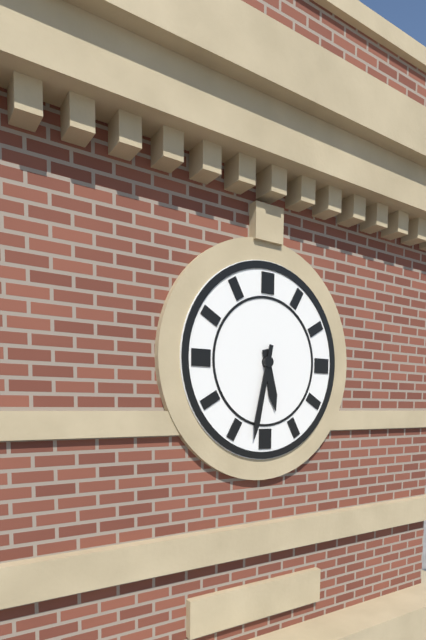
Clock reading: 5.32
